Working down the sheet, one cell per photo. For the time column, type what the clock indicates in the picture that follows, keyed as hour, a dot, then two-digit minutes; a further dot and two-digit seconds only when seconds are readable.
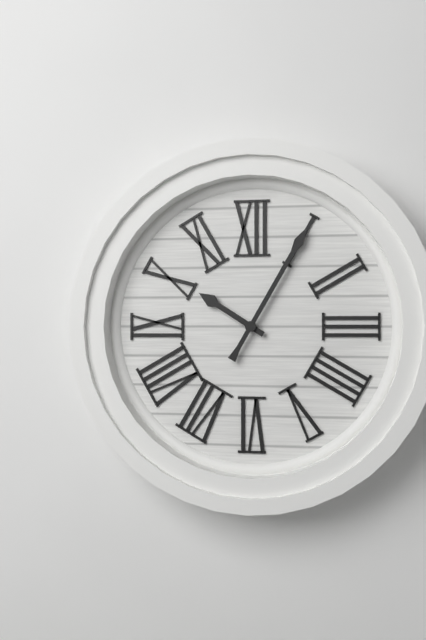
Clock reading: 10.05
